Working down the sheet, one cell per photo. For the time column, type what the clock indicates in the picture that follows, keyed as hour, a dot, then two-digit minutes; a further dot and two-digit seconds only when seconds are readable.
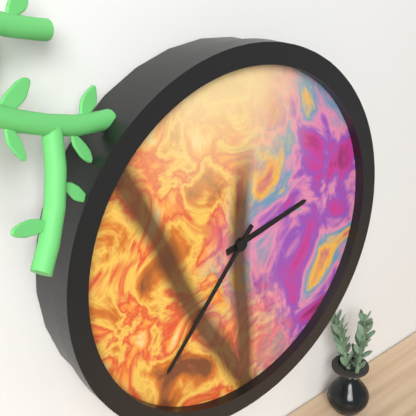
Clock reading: 2.37
